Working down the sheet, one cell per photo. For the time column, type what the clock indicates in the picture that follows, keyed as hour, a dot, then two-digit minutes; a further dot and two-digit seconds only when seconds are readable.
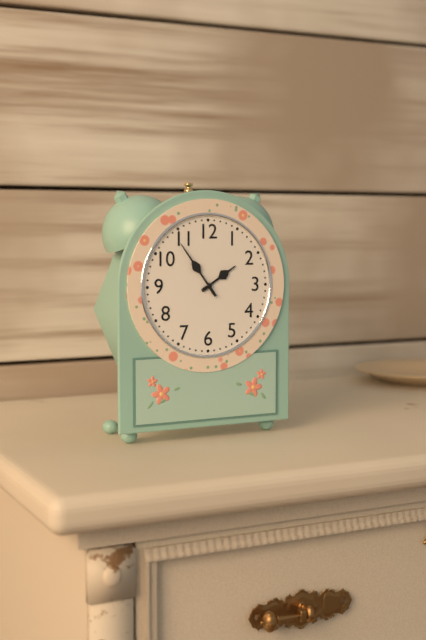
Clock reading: 1.54
